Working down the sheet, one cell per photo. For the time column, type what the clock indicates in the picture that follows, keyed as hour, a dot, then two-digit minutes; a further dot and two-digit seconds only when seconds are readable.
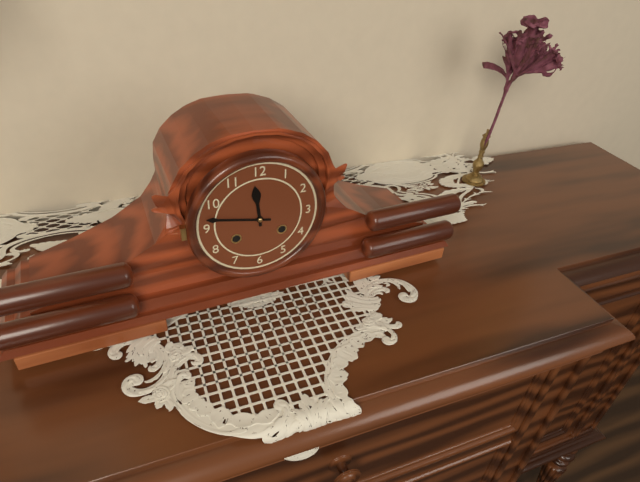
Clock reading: 11.47
